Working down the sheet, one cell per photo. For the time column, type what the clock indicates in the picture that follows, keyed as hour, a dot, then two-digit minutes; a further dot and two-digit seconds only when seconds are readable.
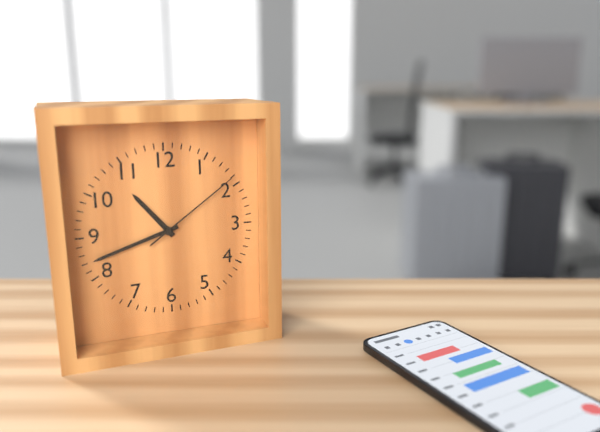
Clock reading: 10.42.09
